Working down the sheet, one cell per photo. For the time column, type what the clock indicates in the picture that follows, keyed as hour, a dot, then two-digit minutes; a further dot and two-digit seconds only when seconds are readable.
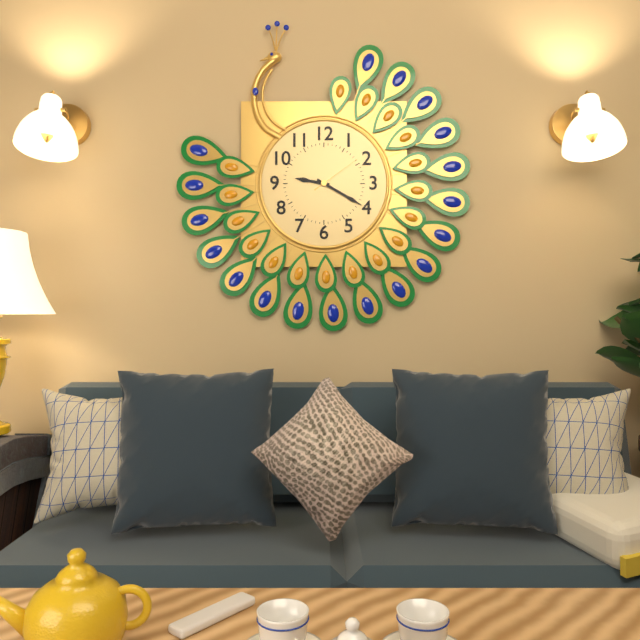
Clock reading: 9.20.09
